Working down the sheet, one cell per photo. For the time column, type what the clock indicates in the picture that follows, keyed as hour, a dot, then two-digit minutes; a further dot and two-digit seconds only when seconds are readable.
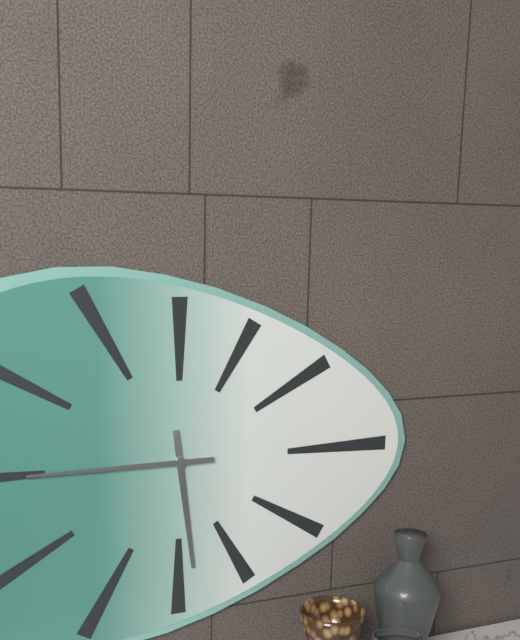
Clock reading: 5.45
